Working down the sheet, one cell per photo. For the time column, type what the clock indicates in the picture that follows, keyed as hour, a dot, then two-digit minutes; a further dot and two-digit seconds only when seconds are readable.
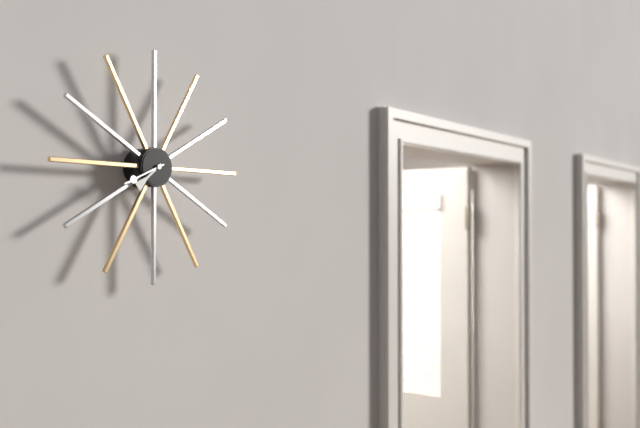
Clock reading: 7.41
